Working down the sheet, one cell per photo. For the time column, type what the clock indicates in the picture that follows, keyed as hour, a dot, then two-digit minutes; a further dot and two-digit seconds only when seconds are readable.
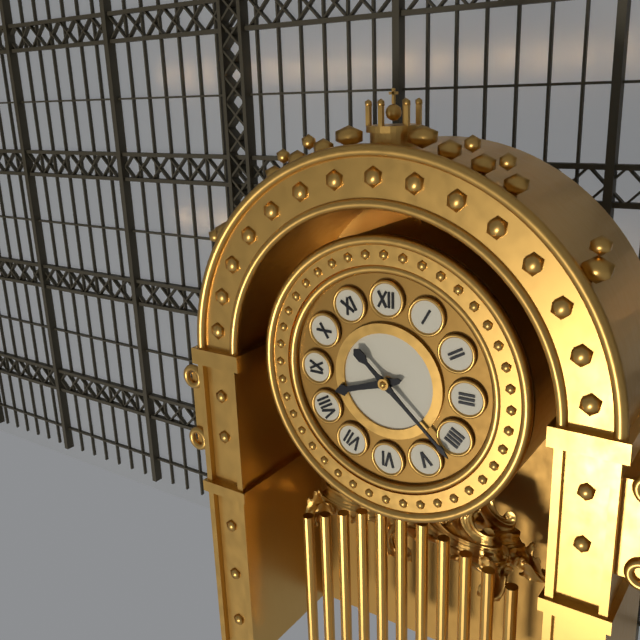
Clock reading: 8.22
